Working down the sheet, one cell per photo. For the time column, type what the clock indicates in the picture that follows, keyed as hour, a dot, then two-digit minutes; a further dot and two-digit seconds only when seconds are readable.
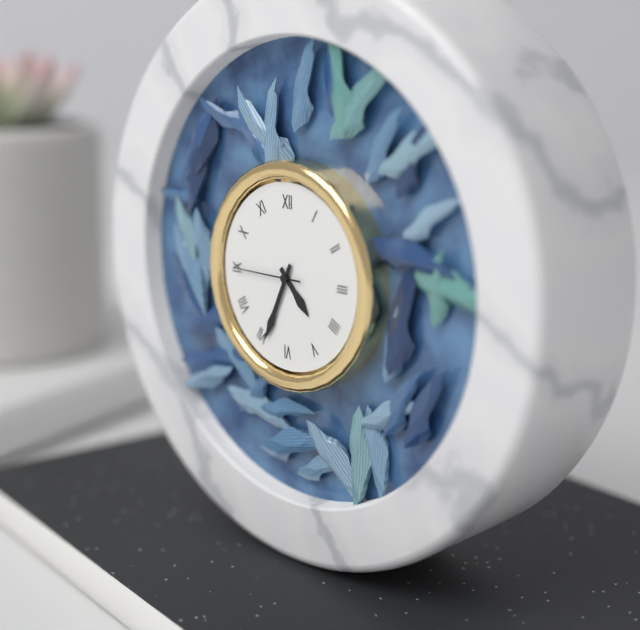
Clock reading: 4.34.45
